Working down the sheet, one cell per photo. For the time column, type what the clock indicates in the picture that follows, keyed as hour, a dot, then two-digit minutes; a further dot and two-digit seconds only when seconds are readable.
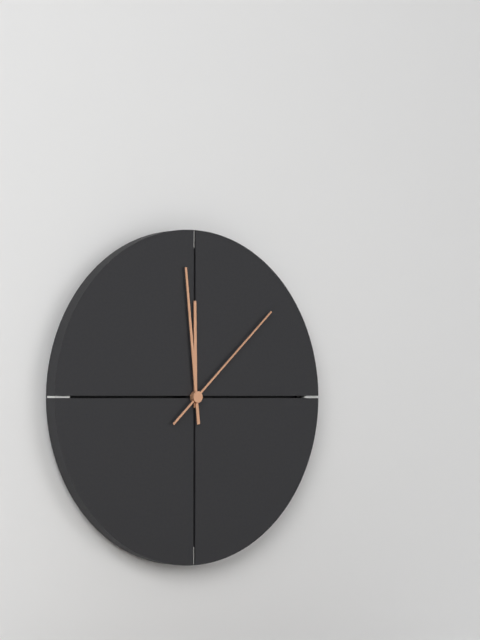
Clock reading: 11.59.08
